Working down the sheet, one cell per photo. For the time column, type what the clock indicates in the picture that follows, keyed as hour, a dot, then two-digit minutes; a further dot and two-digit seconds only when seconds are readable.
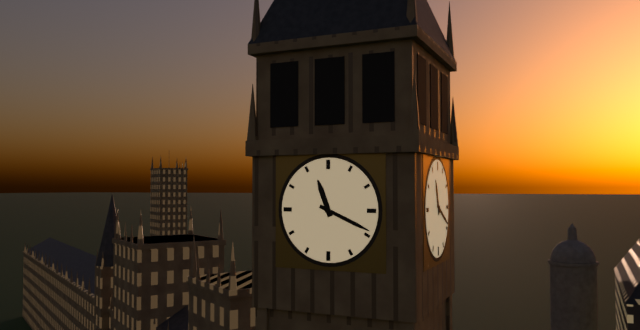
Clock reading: 11.19
